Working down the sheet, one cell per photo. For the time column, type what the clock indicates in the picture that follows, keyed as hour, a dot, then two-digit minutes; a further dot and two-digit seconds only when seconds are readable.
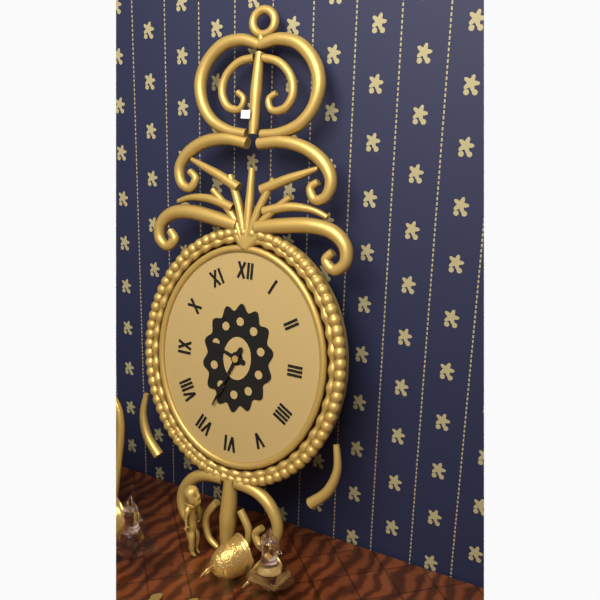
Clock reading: 9.34
